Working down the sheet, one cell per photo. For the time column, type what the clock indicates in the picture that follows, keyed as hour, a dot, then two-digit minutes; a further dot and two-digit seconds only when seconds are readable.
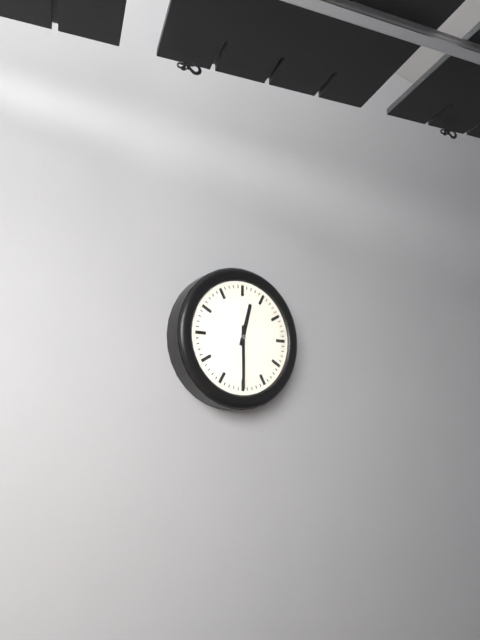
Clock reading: 12.30
